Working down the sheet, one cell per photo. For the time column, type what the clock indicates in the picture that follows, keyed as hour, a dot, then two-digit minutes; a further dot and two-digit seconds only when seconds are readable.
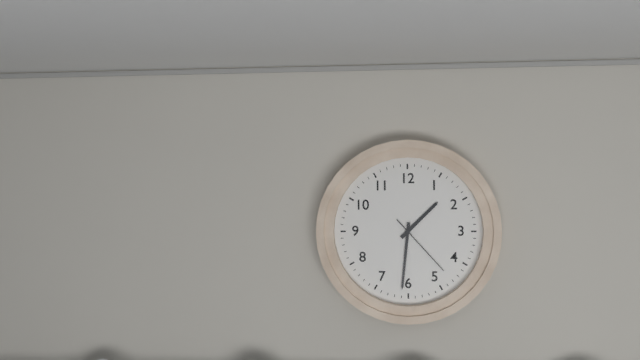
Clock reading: 1.31.23
